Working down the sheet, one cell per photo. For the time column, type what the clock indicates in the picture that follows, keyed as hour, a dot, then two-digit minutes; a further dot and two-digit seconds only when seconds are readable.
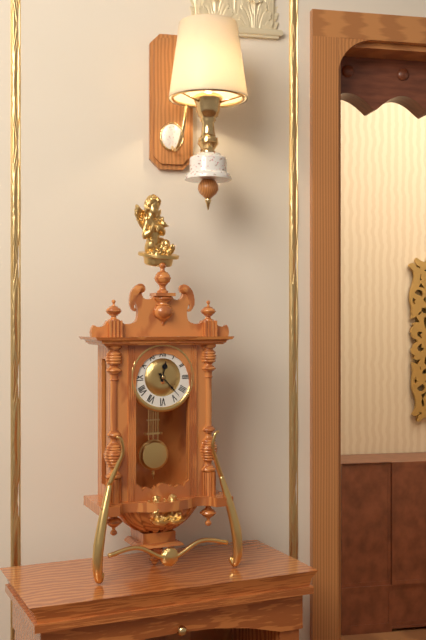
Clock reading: 12.23
